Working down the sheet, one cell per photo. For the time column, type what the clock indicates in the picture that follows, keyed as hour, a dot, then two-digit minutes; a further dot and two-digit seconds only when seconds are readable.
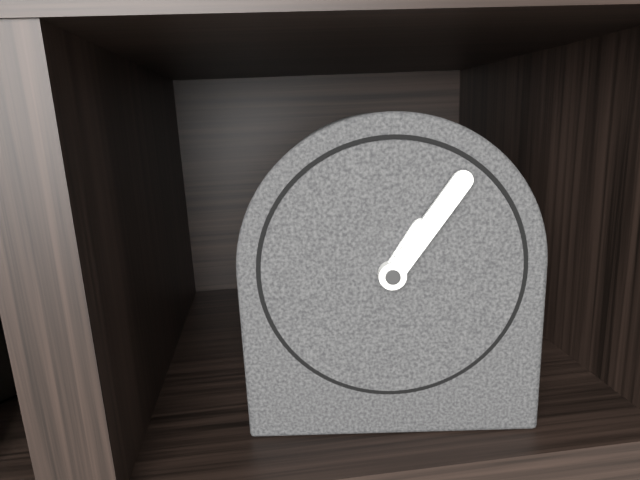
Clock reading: 1.06
